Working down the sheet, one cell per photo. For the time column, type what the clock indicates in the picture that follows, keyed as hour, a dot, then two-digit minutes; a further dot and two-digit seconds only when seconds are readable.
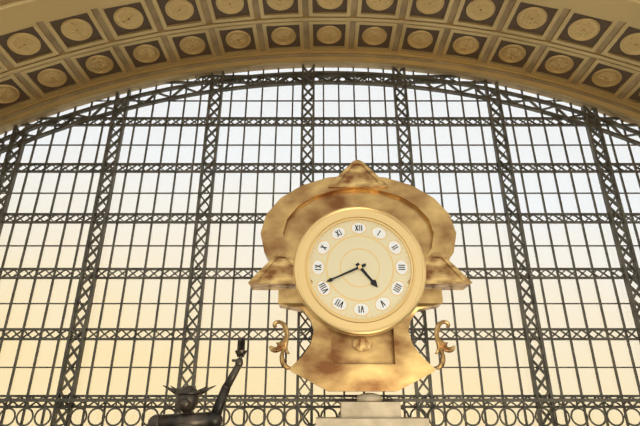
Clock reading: 4.41
